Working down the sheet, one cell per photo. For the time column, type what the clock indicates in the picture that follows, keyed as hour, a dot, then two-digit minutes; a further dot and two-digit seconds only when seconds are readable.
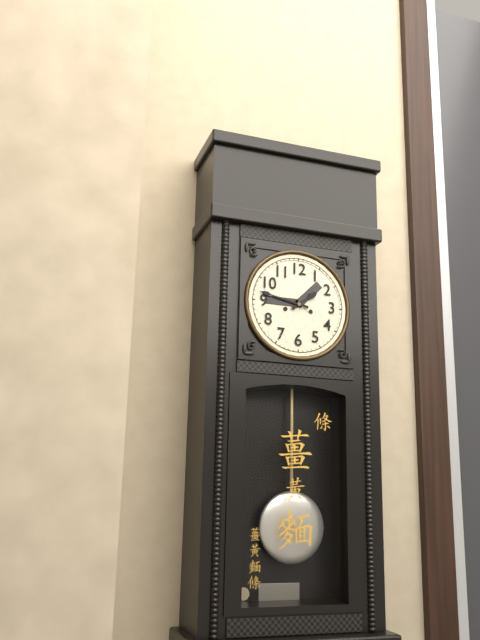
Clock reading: 1.47
